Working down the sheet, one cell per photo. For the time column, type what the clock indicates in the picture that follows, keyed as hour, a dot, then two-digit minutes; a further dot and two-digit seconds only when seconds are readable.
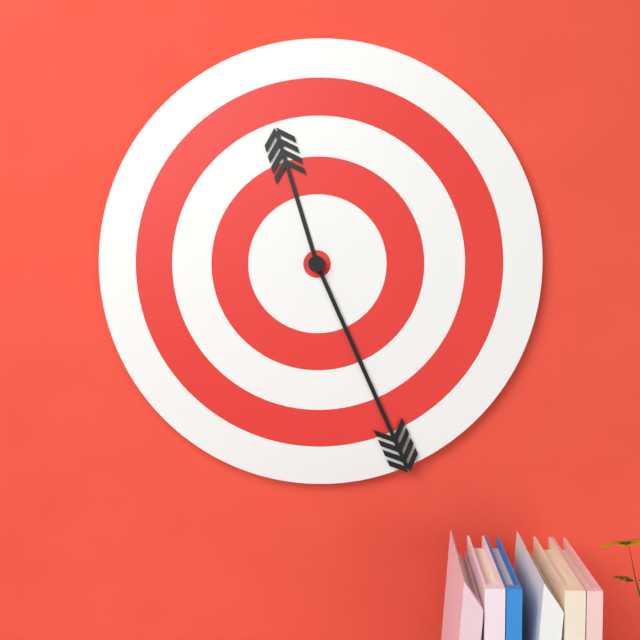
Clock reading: 11.26
